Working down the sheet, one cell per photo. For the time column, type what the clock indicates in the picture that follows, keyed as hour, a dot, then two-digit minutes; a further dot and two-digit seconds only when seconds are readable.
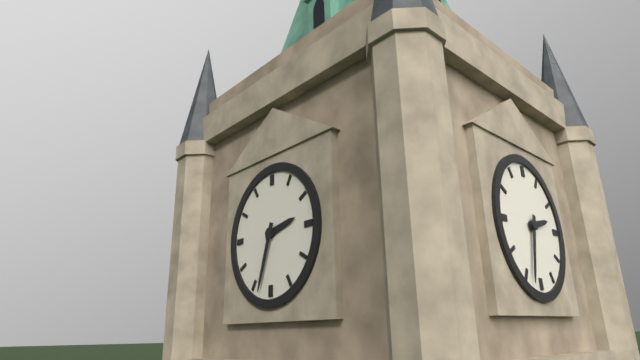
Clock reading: 2.33
